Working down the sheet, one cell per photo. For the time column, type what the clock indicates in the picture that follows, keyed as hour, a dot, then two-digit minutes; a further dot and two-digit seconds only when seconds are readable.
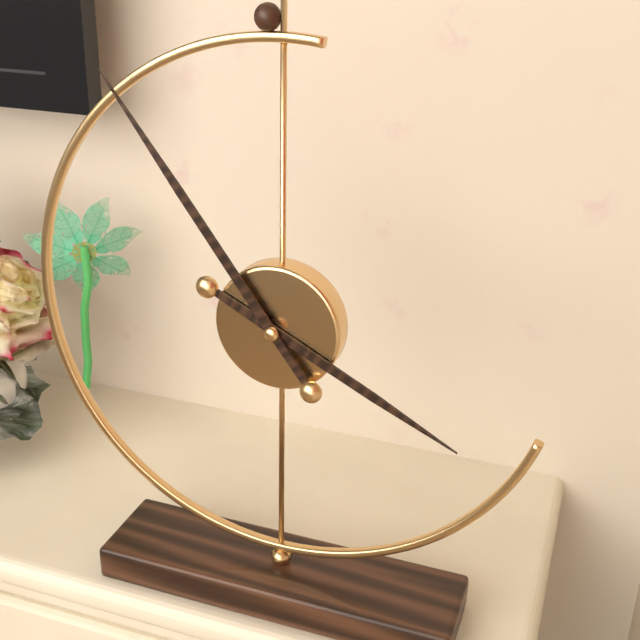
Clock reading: 3.54
